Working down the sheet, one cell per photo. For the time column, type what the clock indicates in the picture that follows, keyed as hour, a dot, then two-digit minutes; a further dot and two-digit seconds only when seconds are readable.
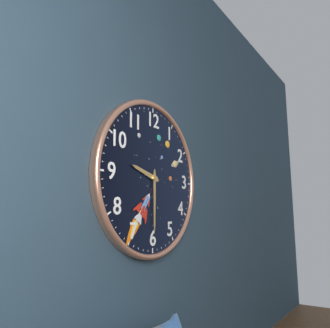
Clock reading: 9.30
